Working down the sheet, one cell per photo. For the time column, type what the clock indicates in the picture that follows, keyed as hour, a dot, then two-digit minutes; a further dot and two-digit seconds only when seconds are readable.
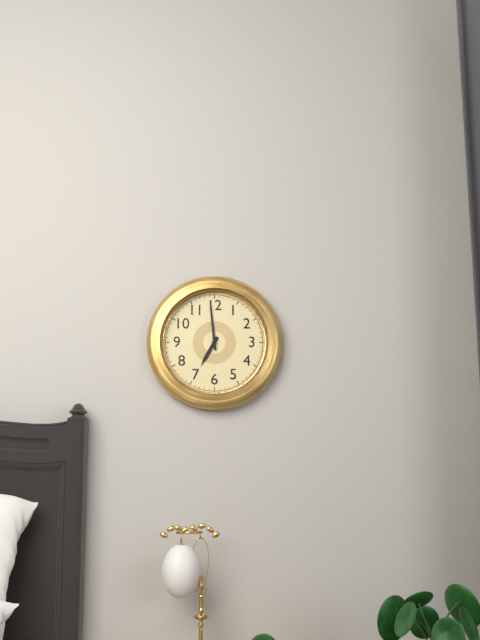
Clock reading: 6.59
